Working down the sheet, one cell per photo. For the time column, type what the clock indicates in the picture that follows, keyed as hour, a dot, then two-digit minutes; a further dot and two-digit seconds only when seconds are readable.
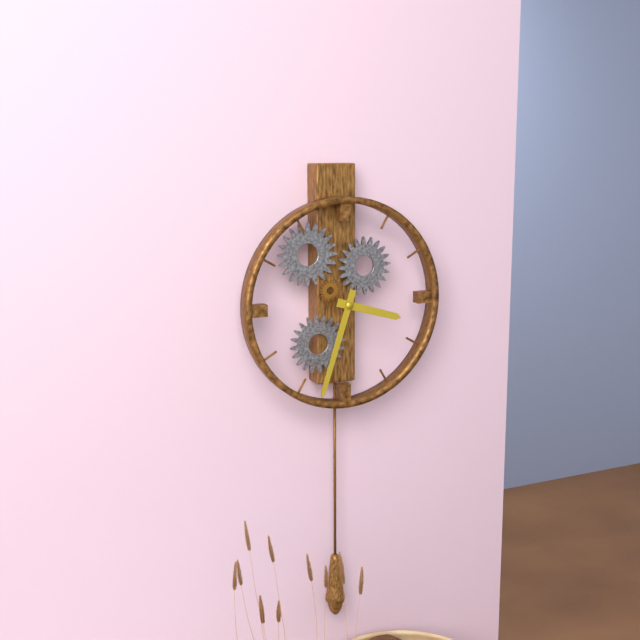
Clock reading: 3.33
